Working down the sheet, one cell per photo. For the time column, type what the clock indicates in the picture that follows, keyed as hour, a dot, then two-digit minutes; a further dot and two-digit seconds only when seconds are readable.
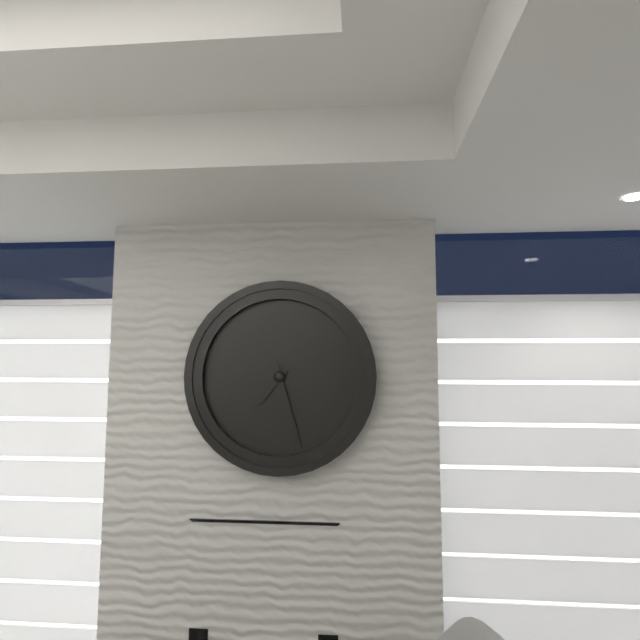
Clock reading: 7.27
